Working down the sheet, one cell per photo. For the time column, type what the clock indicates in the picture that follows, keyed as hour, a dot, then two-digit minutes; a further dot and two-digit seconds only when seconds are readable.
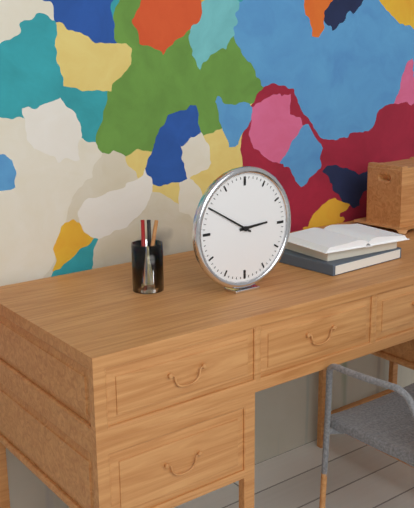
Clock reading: 2.50
